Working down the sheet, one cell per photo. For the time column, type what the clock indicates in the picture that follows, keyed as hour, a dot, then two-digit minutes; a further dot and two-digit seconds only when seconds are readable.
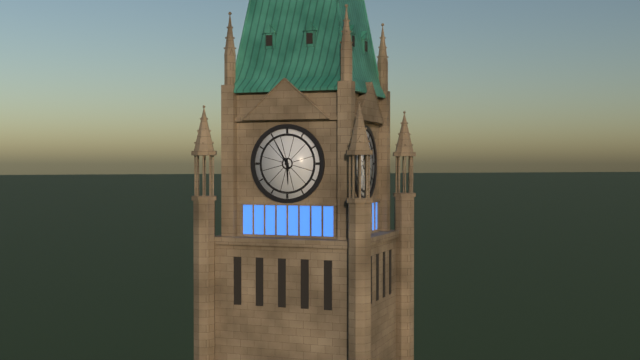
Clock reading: 5.55
